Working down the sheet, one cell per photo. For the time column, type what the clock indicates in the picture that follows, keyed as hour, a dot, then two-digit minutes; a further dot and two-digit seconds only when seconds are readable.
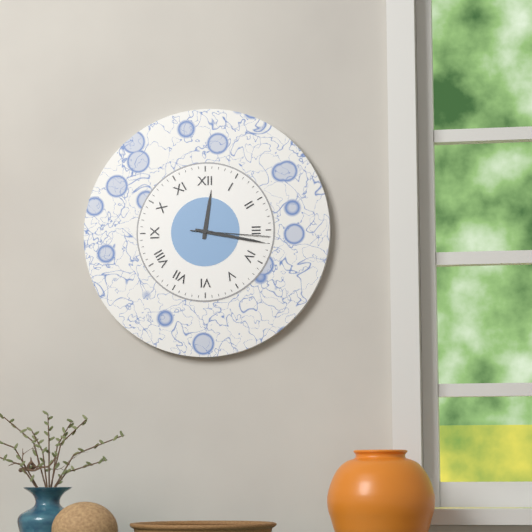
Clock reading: 12.17.16
